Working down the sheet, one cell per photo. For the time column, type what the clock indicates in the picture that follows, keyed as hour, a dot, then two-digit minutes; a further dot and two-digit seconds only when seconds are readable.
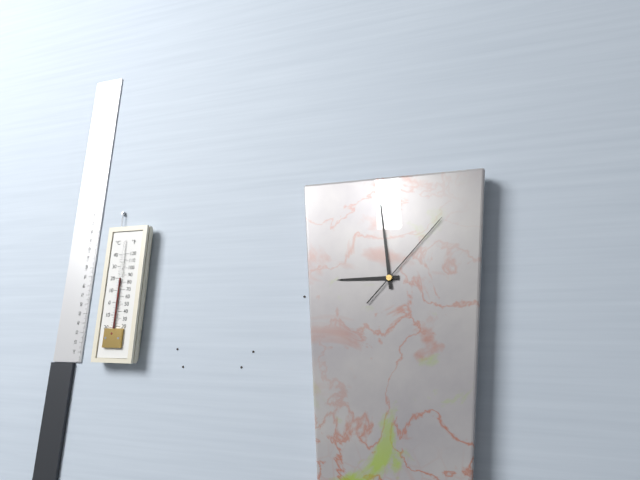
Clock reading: 8.59.07
